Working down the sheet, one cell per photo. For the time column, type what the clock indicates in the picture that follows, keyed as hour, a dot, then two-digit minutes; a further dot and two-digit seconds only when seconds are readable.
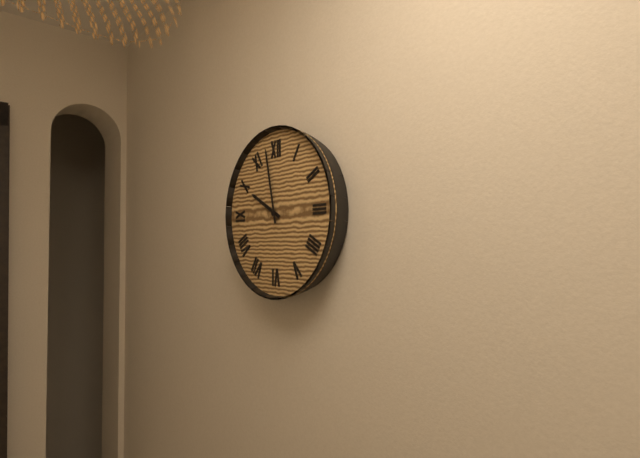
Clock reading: 9.58
